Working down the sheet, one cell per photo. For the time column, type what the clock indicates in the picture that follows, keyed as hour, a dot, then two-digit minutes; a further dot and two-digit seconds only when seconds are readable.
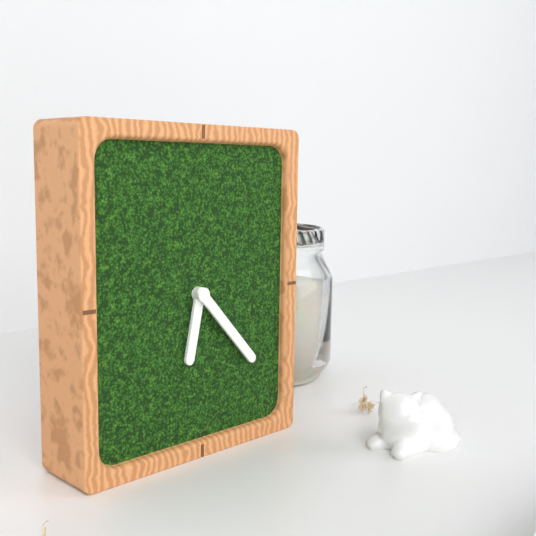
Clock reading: 6.23
